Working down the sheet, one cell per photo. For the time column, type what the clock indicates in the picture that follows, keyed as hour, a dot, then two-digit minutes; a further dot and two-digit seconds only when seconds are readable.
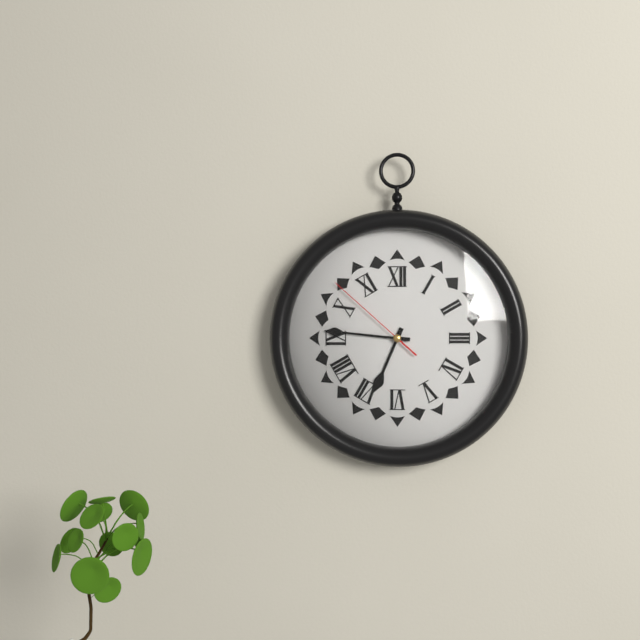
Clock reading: 6.46.52
